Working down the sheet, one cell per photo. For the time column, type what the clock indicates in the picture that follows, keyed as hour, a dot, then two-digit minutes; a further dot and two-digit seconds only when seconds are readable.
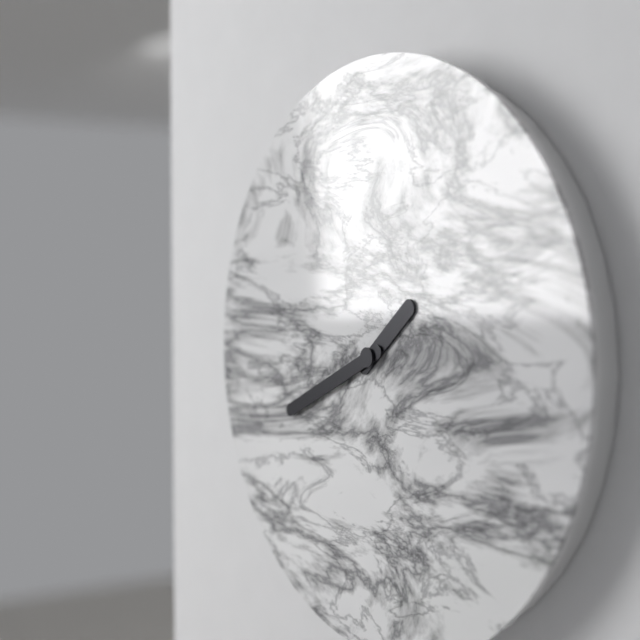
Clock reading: 1.41
